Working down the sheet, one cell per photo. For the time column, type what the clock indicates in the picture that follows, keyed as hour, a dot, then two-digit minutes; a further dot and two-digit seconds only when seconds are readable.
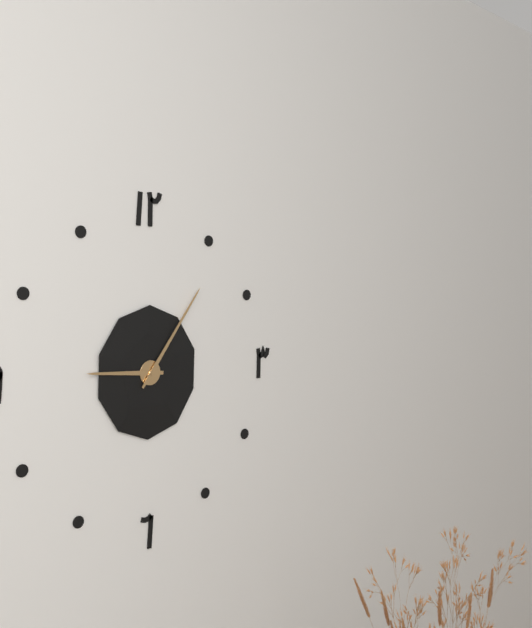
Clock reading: 9.06
